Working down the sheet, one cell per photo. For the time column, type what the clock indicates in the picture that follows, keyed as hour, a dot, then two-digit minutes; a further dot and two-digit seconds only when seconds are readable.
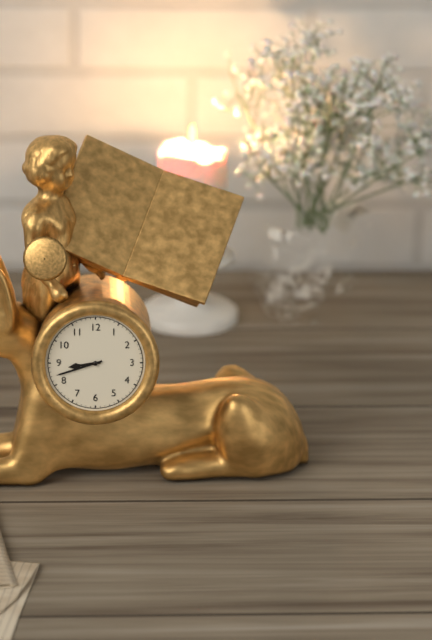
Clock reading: 8.42
